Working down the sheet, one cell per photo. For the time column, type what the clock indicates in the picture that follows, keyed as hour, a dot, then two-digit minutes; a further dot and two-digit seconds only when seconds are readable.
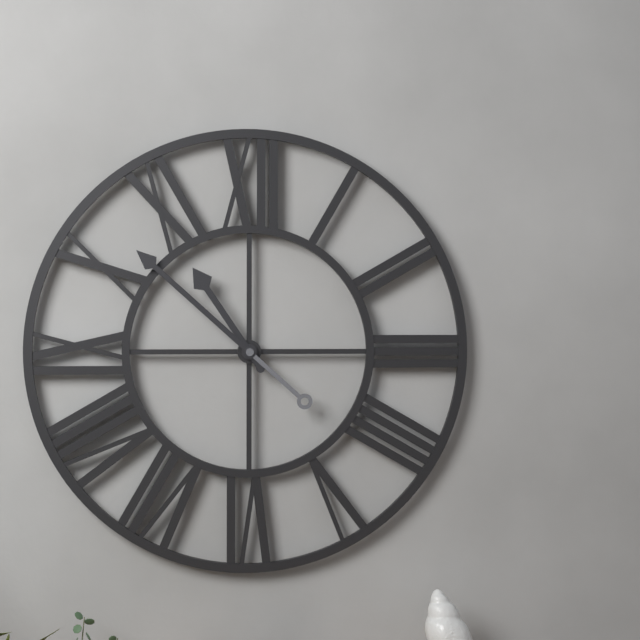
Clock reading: 10.52
